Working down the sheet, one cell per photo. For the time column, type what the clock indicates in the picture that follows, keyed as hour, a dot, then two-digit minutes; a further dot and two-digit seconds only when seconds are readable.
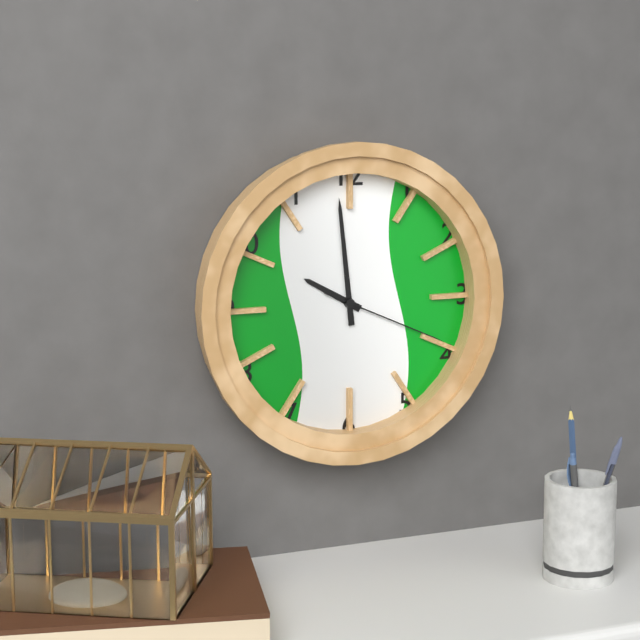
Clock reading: 9.59.19
